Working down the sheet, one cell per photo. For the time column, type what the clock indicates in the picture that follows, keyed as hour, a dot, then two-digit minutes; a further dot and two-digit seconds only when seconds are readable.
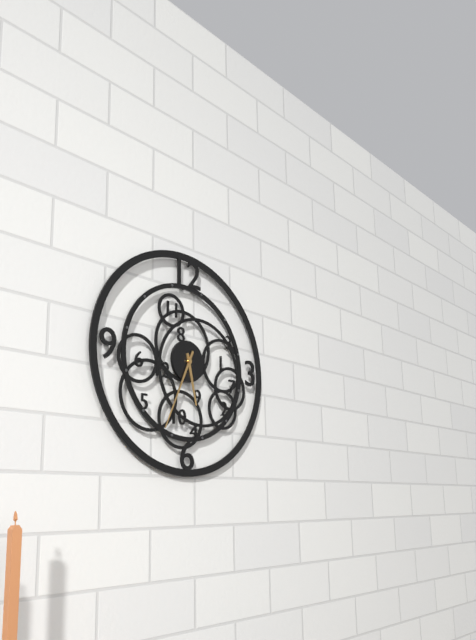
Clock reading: 5.34
